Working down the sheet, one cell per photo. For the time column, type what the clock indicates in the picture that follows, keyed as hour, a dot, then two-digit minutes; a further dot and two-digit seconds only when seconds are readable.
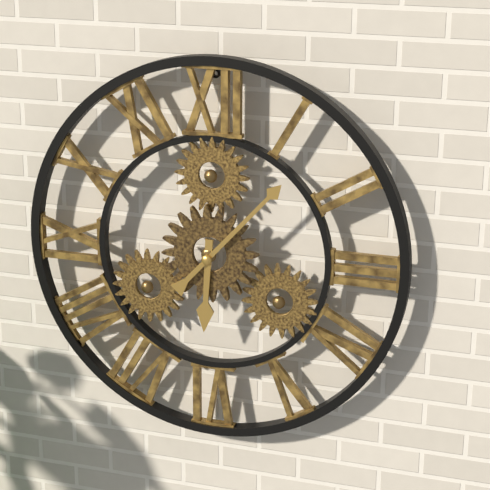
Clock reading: 6.07
